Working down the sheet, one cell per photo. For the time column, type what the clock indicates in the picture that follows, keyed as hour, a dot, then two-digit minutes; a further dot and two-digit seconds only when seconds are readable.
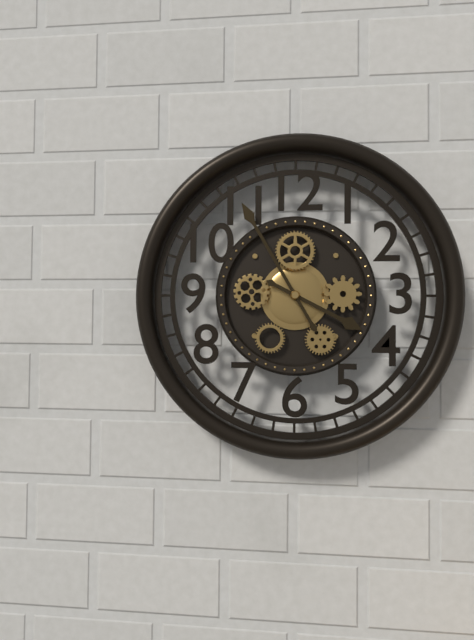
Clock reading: 3.55
